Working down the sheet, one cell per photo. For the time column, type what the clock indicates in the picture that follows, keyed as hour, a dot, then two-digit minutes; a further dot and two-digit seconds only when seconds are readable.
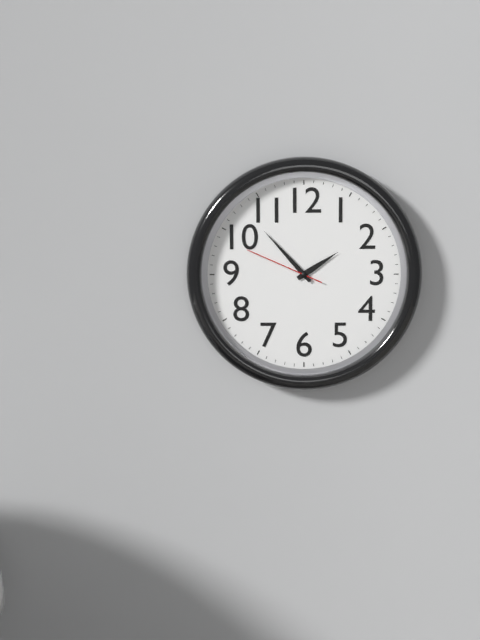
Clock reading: 1.53.49
